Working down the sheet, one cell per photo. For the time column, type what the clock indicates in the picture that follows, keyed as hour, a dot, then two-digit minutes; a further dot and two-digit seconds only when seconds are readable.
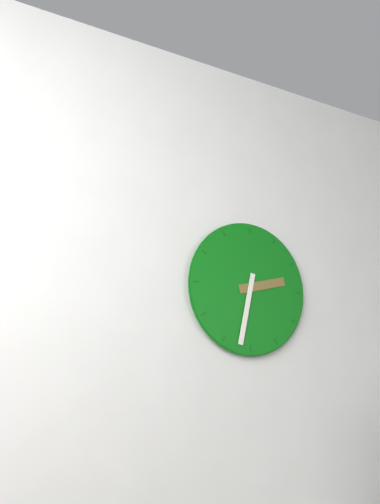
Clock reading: 2.32
